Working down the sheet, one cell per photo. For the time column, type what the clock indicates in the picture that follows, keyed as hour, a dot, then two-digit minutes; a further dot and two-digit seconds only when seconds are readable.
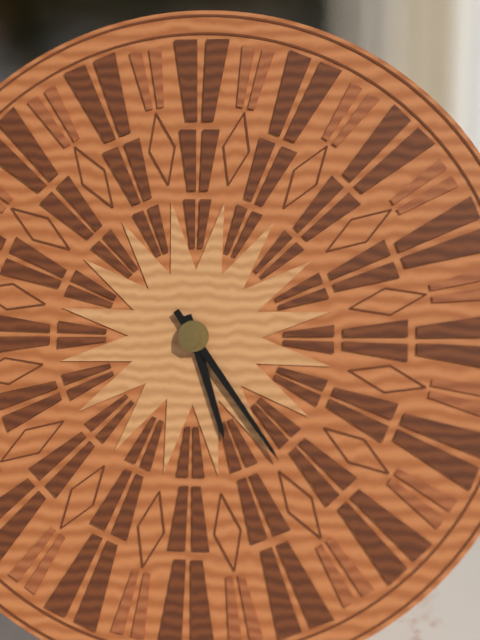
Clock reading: 5.24
